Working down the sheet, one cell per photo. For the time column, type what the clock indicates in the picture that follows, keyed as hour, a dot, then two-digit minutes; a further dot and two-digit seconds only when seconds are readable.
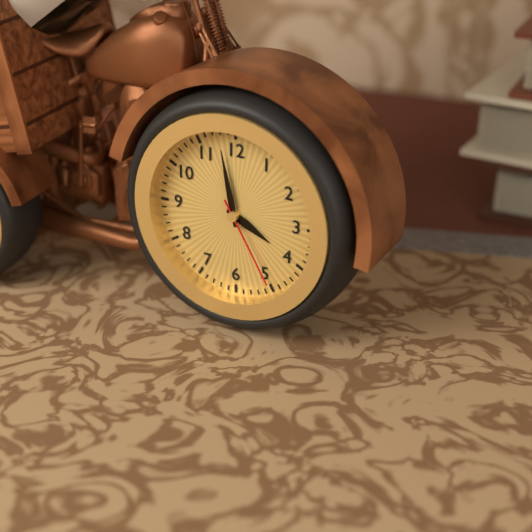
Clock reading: 3.58.25
